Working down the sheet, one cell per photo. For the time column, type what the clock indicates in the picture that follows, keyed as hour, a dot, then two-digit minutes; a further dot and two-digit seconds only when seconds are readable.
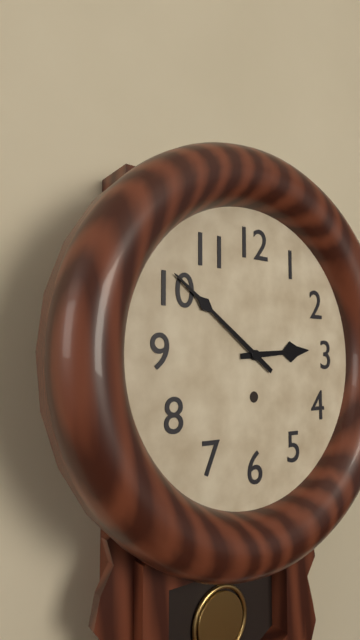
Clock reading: 2.51
